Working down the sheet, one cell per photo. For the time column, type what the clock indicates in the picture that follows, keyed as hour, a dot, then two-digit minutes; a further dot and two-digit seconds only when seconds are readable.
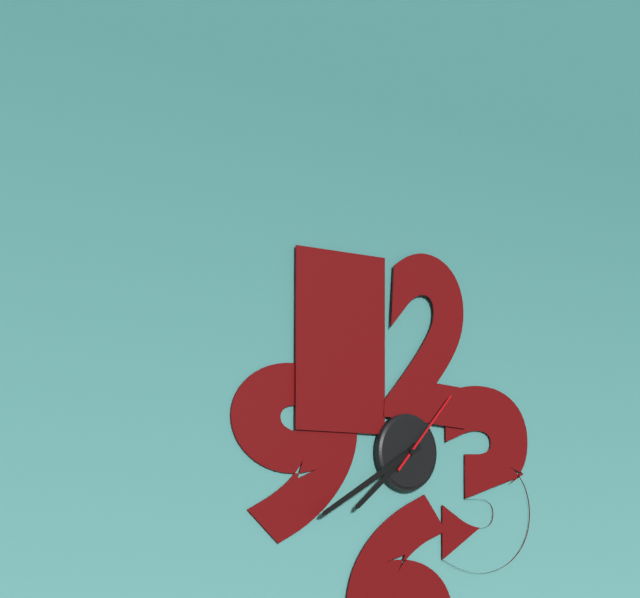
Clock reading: 7.40.07
